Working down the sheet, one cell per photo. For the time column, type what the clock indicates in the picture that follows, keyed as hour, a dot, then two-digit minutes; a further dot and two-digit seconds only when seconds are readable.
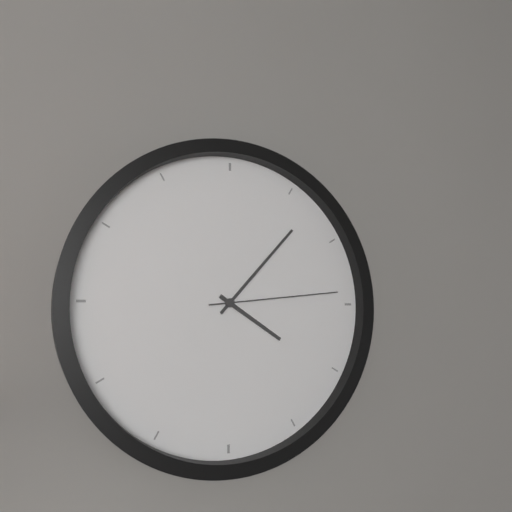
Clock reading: 4.07.14
